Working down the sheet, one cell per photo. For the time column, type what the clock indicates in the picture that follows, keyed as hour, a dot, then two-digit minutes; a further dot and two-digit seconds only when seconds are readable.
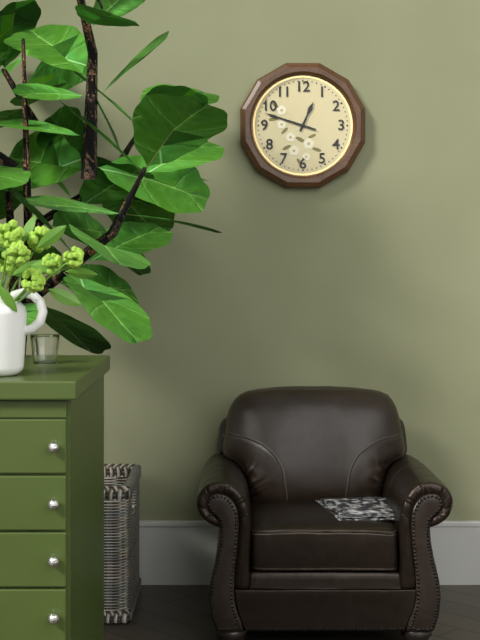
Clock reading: 12.48
